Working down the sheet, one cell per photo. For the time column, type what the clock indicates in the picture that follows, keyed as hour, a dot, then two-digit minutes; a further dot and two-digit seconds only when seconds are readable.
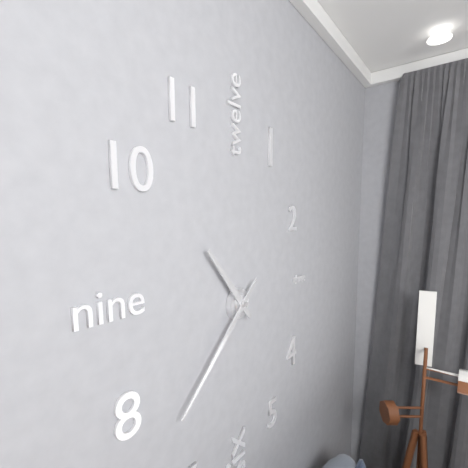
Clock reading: 10.38
